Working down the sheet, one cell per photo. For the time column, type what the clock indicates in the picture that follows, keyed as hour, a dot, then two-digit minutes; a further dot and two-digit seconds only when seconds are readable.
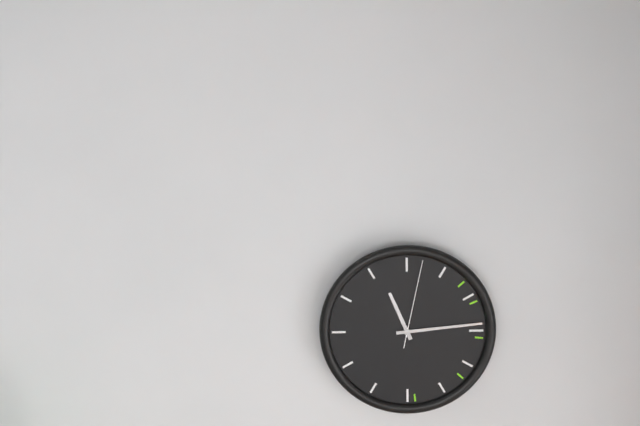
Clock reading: 11.14.02
